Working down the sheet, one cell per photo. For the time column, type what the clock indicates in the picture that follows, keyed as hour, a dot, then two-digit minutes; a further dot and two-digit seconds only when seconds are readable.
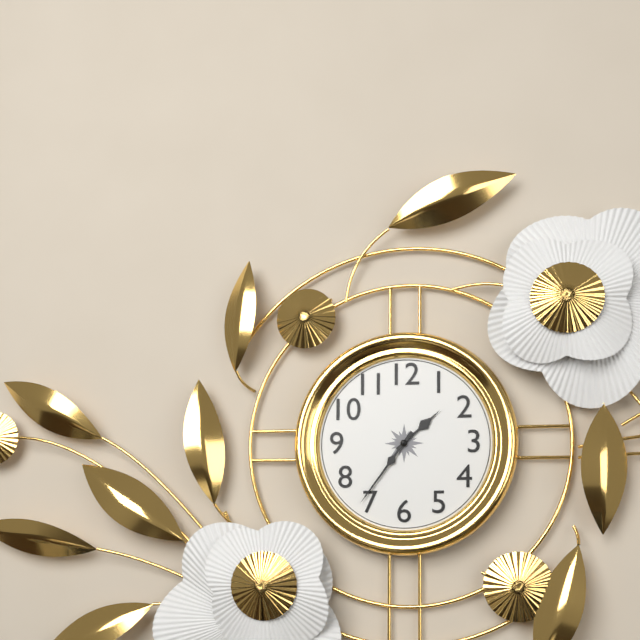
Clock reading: 1.36
